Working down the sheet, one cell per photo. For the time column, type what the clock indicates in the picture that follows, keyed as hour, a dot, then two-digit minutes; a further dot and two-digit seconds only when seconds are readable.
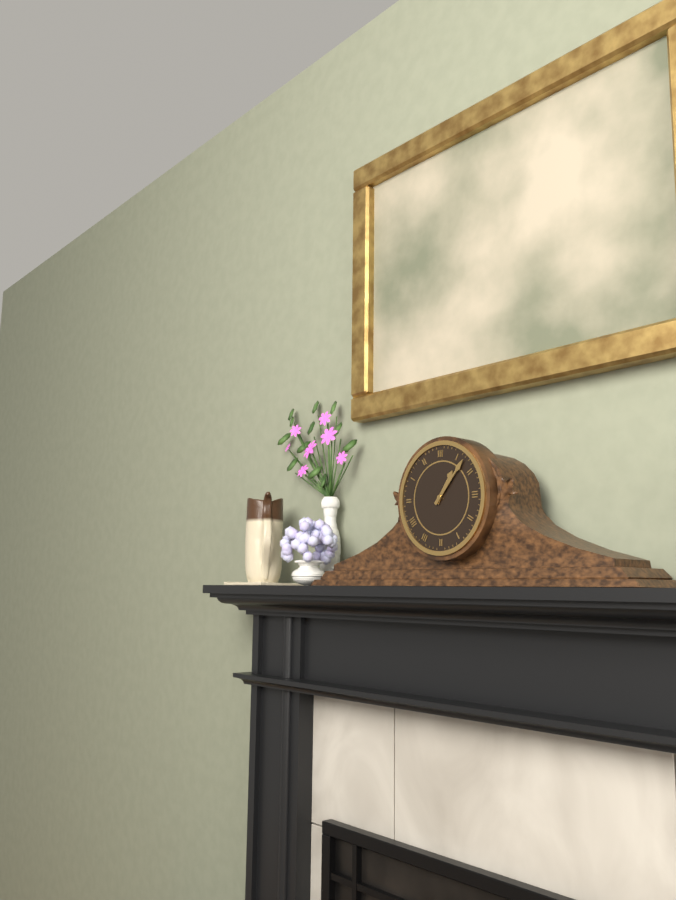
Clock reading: 1.07
